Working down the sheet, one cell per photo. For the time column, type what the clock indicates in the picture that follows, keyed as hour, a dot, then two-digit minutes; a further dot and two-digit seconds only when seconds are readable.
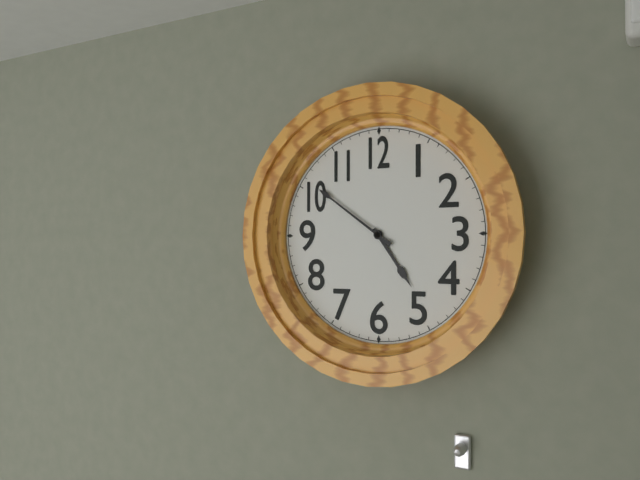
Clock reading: 4.51
